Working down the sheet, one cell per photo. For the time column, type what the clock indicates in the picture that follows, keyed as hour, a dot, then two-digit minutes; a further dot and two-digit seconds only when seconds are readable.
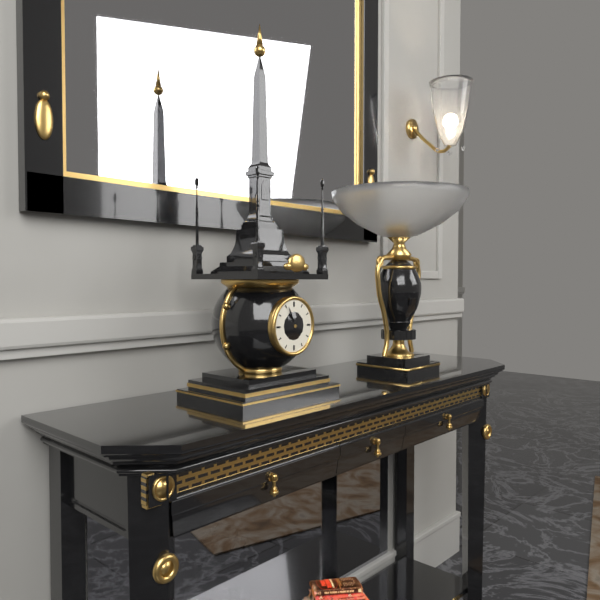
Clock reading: 10.56
